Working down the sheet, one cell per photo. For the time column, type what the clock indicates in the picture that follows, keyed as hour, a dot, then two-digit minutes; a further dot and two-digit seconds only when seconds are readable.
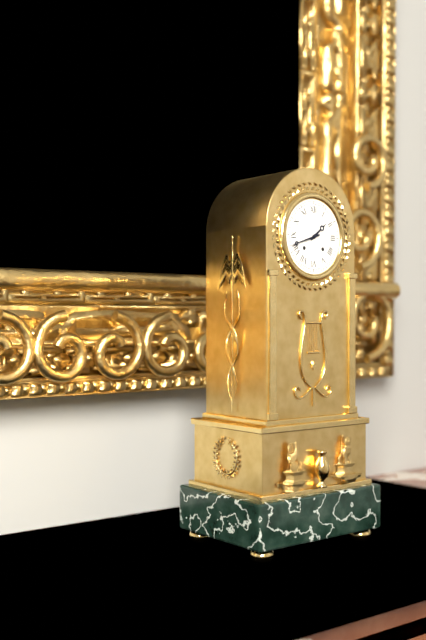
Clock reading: 1.42
